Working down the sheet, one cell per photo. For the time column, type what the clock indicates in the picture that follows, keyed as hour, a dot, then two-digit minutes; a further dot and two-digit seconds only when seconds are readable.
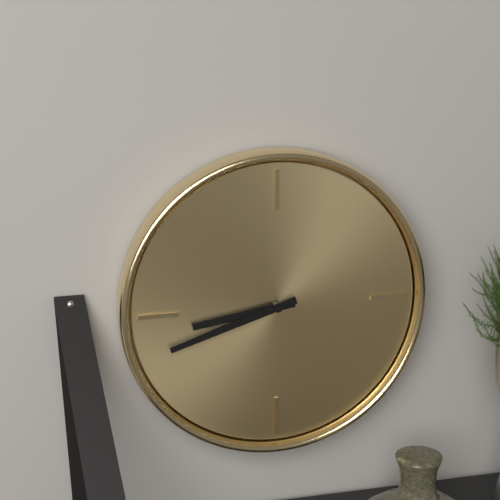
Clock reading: 8.42
